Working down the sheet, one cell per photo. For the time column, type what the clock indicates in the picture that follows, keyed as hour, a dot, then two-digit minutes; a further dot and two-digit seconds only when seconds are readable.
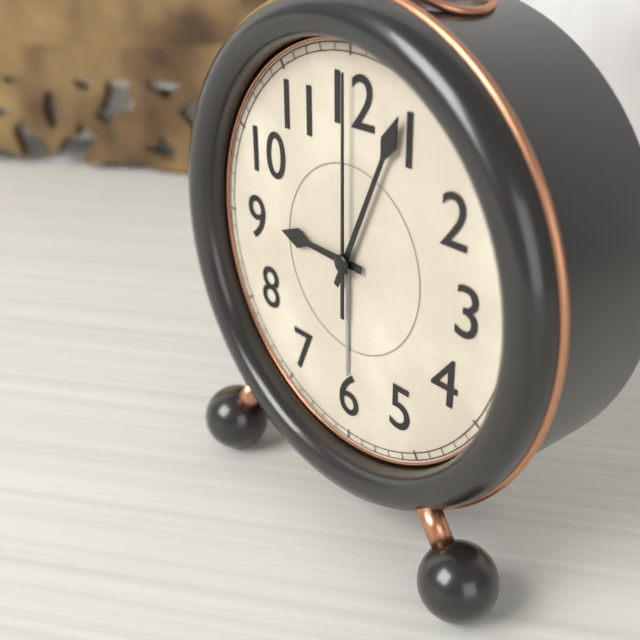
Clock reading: 9.04.00
